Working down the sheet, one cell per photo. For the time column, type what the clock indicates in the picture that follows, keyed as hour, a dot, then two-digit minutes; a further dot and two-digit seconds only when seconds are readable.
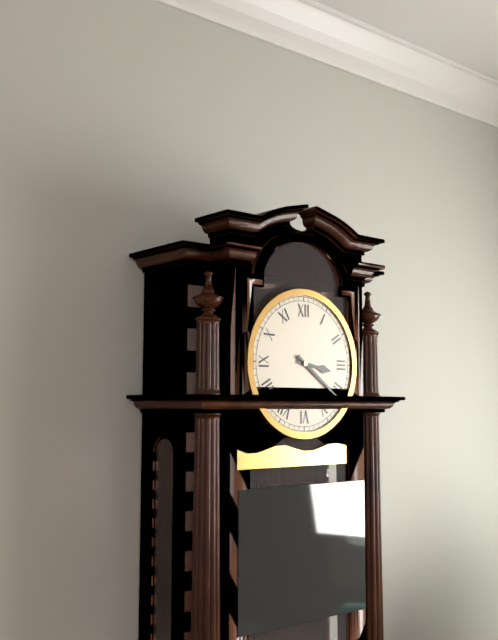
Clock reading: 3.21
